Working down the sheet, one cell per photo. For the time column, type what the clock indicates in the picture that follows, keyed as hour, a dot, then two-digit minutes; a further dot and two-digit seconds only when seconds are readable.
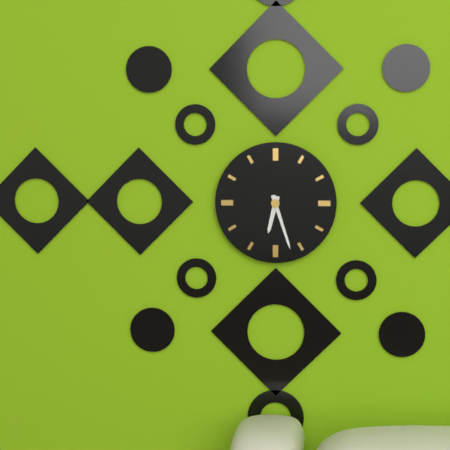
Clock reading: 6.27
